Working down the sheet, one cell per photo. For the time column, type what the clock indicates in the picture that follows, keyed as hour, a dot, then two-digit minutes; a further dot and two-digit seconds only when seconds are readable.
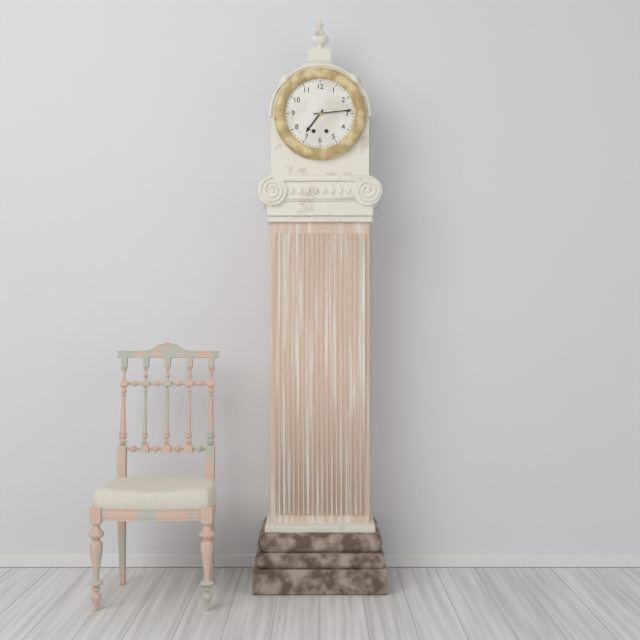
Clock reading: 7.14
